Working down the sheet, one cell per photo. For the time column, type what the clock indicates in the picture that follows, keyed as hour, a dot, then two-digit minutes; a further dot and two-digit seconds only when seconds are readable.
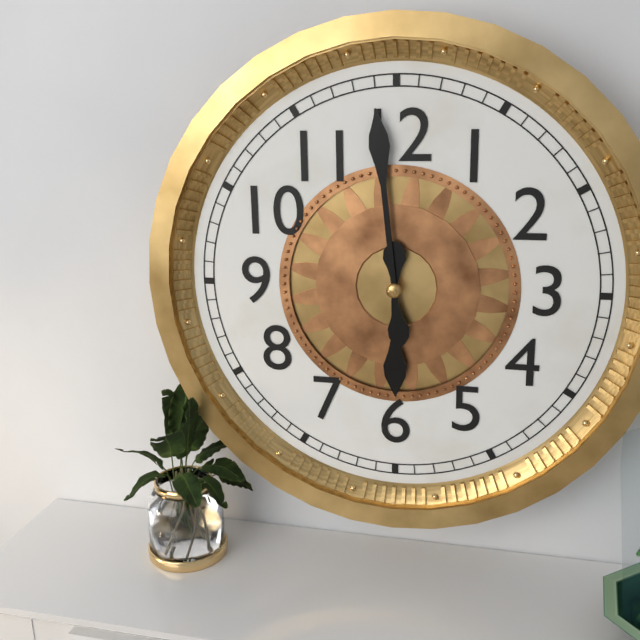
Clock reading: 5.59
